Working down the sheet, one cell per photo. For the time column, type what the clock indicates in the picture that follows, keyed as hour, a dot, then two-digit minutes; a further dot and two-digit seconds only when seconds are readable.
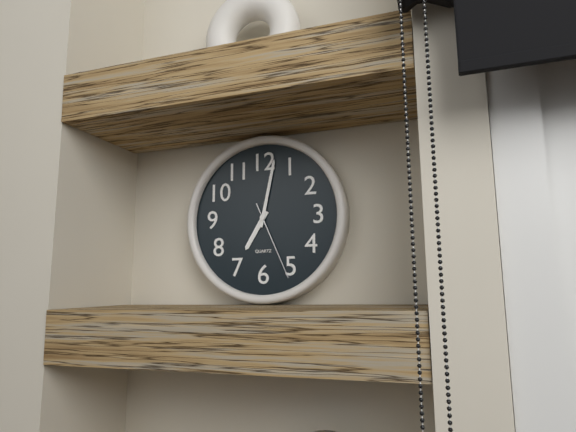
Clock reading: 7.02.26
